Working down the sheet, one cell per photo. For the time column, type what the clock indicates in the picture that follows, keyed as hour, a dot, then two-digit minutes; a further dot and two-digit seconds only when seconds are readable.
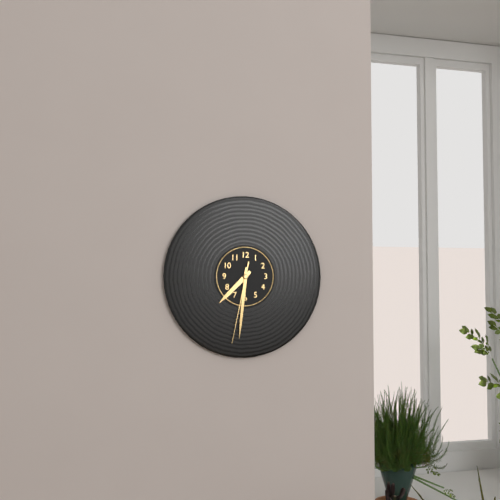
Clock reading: 7.31.32
